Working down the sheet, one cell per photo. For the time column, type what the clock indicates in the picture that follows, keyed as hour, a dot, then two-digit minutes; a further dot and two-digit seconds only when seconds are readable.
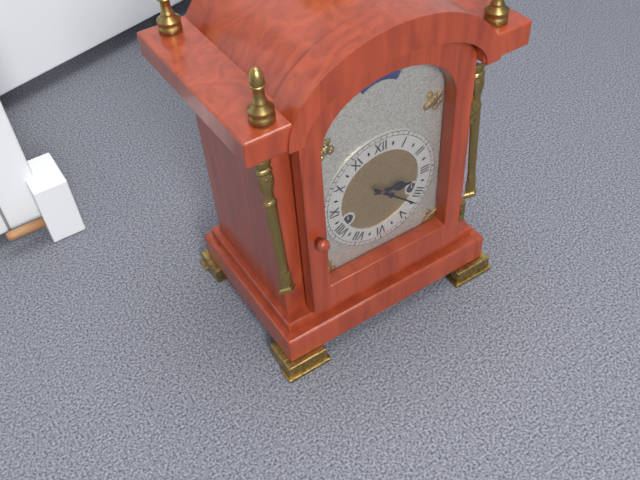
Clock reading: 3.22
